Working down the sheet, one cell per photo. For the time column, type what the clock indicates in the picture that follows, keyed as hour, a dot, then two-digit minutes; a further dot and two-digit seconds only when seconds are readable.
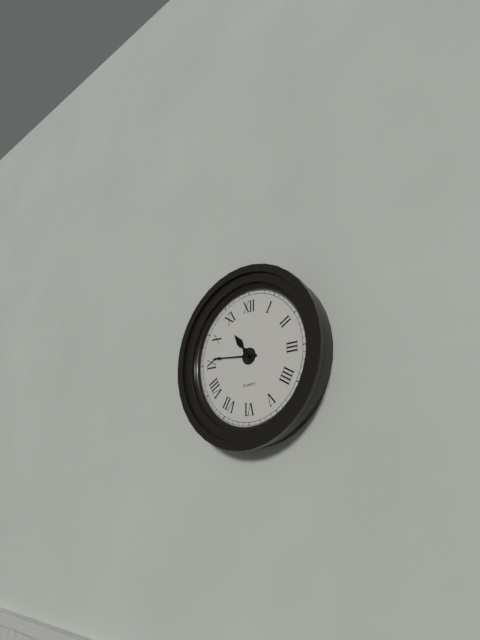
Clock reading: 10.46
